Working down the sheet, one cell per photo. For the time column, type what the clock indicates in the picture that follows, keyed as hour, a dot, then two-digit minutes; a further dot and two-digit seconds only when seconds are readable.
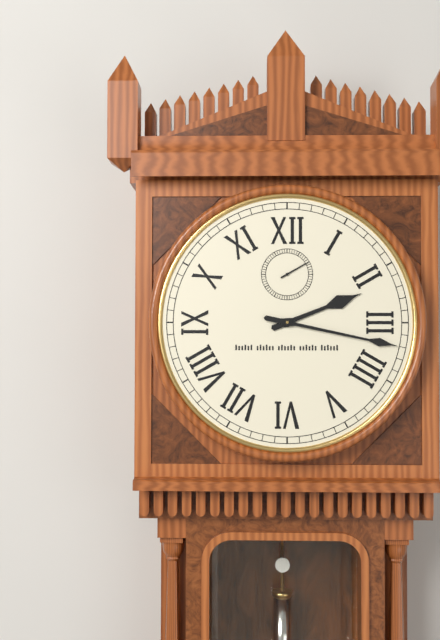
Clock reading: 2.17
